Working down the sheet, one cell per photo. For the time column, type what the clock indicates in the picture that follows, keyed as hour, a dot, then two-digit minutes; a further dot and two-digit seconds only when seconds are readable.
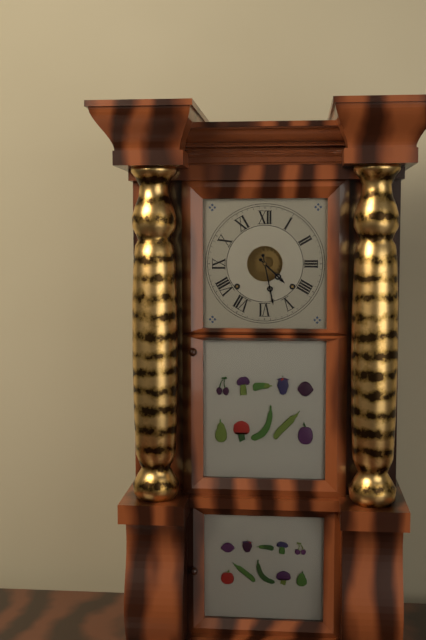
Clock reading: 4.28
